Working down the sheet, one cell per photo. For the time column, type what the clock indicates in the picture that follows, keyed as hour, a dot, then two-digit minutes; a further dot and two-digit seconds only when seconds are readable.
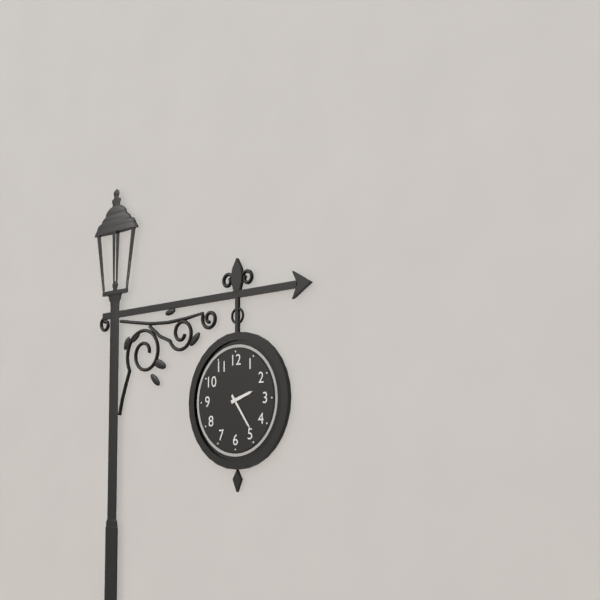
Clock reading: 2.24
